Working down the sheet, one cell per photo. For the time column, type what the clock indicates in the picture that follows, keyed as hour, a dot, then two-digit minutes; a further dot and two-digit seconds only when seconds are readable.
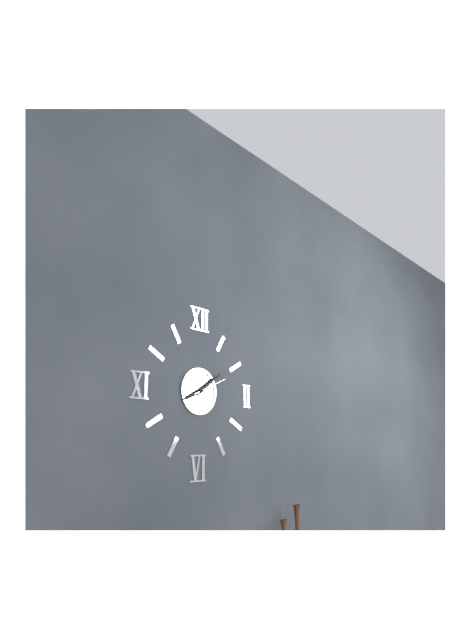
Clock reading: 8.09
